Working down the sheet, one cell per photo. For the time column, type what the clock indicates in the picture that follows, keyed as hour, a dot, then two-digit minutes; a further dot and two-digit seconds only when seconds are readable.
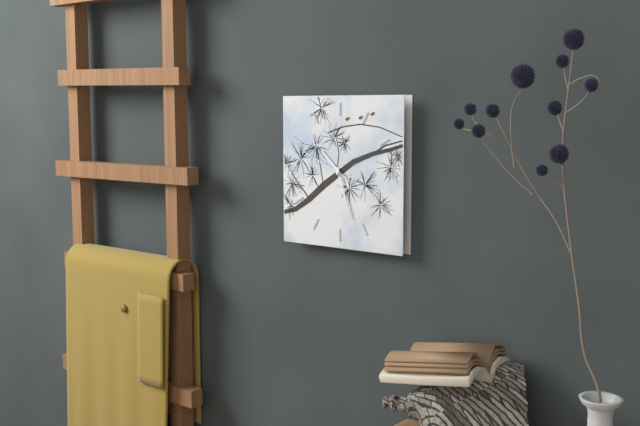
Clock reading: 10.27.49
